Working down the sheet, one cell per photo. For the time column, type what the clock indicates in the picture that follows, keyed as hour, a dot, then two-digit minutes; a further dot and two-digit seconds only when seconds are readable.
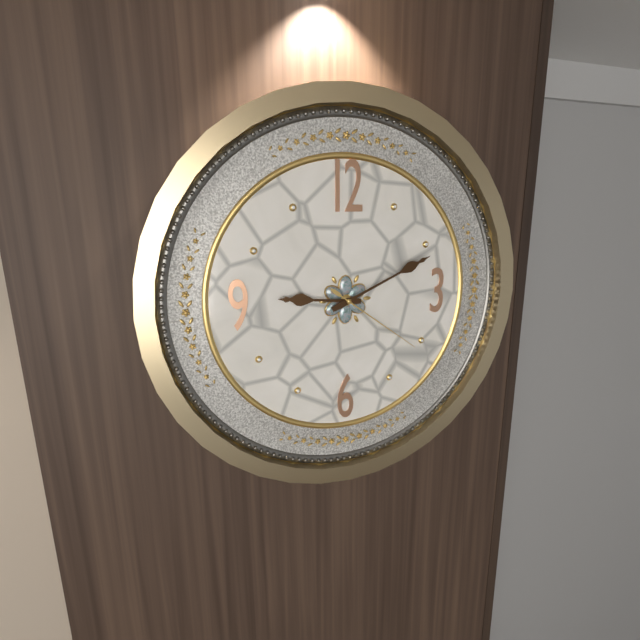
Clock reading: 9.11.21
